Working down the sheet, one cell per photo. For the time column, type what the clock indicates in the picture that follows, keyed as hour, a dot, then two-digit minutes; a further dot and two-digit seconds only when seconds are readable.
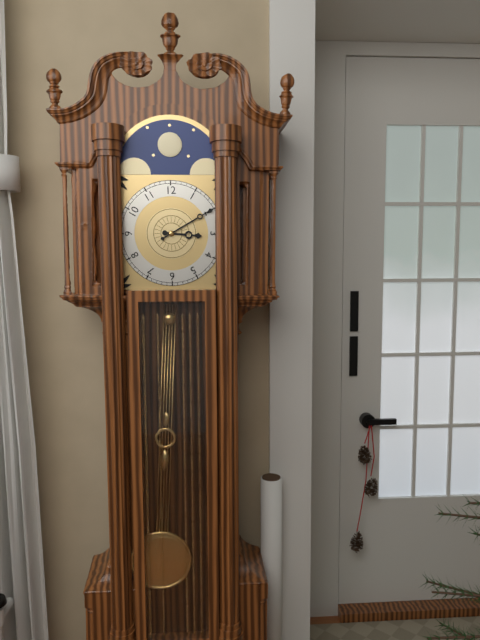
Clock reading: 3.10
